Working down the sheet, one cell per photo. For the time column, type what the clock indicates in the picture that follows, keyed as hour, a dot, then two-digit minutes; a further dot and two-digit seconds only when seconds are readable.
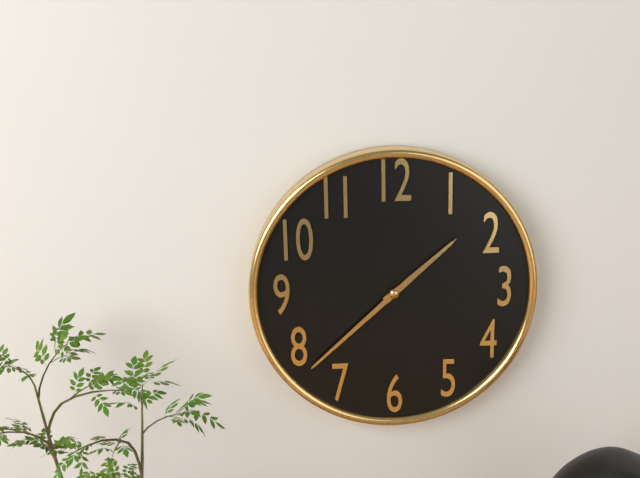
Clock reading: 1.38
